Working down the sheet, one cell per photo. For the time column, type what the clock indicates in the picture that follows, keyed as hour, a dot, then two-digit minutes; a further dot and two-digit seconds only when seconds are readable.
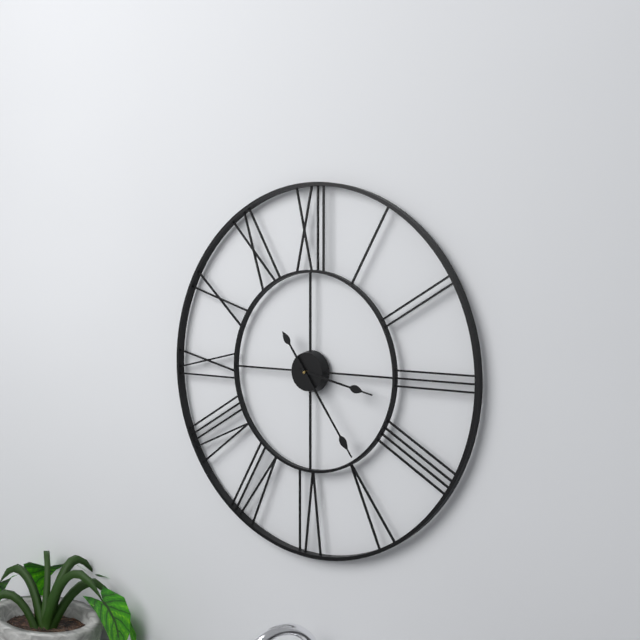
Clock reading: 3.24
